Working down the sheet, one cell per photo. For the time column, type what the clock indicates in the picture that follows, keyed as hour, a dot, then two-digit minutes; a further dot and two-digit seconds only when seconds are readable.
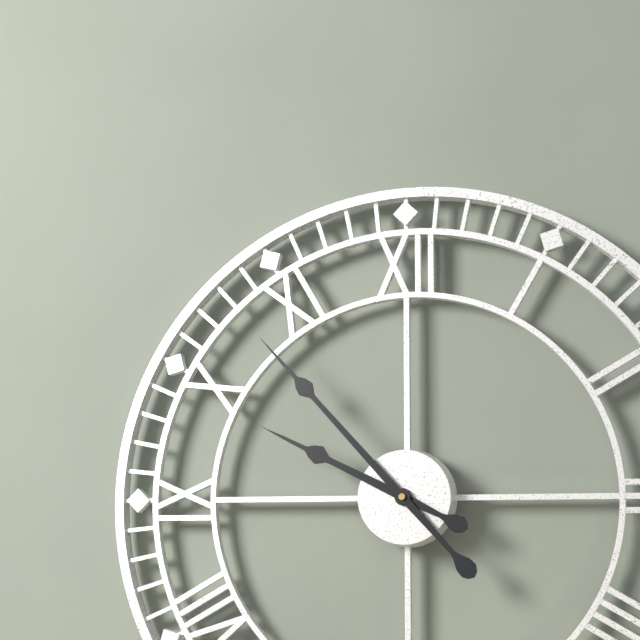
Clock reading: 9.53
